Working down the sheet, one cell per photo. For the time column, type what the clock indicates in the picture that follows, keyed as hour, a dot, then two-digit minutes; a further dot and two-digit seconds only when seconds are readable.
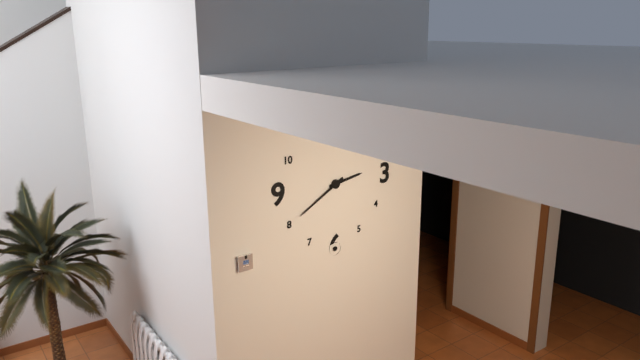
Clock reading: 2.40
